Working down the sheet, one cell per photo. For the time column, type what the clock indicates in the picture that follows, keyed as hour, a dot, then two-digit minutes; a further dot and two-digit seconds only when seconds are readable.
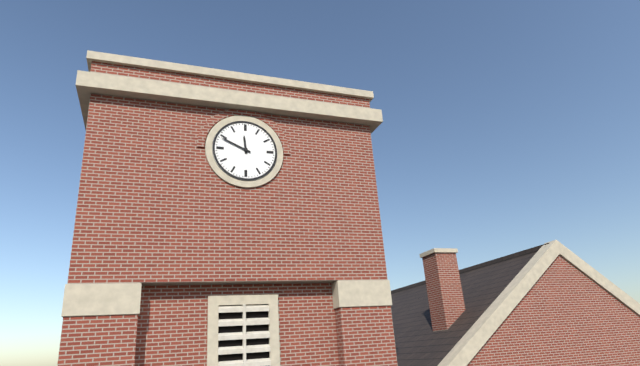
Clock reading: 11.49
